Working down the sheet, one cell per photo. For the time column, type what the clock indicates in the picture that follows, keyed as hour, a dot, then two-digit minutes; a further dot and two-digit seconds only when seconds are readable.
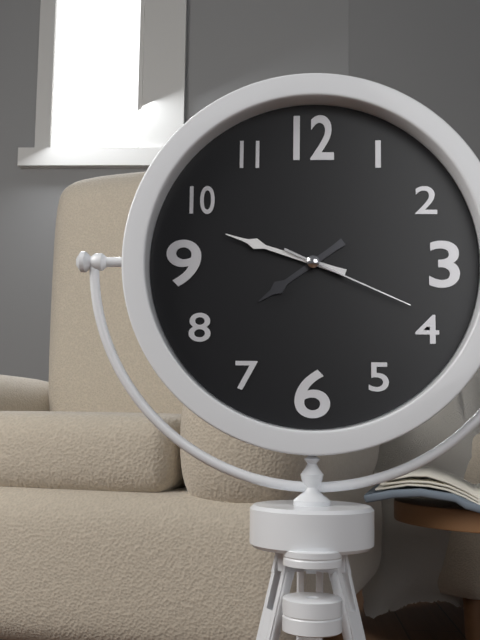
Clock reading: 7.48.19
